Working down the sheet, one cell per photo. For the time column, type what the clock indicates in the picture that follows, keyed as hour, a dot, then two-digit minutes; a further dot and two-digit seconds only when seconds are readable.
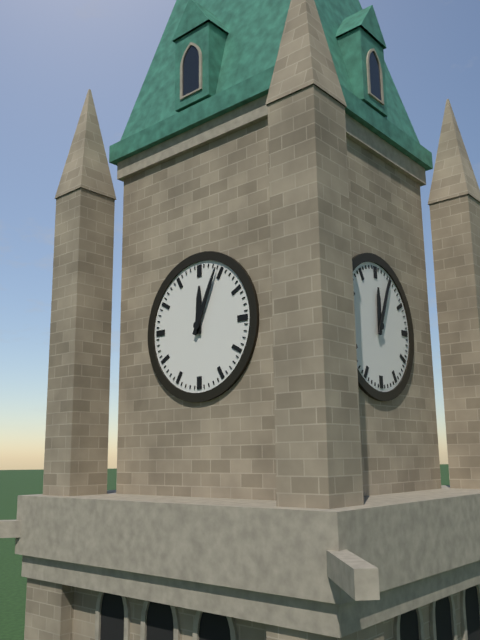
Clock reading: 12.04
